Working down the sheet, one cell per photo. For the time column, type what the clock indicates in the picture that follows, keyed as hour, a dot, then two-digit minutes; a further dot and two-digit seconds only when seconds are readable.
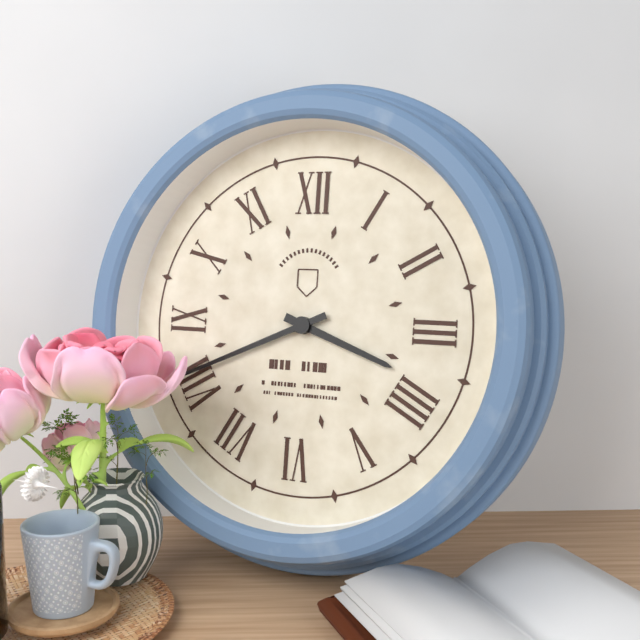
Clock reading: 3.41
